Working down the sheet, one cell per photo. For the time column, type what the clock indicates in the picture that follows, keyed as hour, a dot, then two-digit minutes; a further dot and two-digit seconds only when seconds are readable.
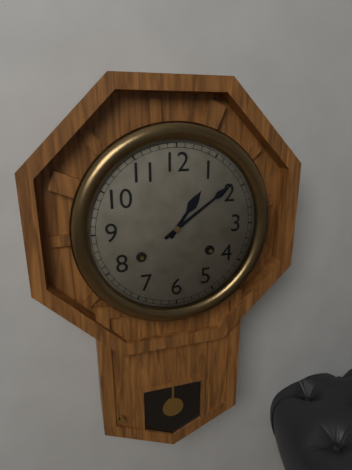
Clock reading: 1.09
